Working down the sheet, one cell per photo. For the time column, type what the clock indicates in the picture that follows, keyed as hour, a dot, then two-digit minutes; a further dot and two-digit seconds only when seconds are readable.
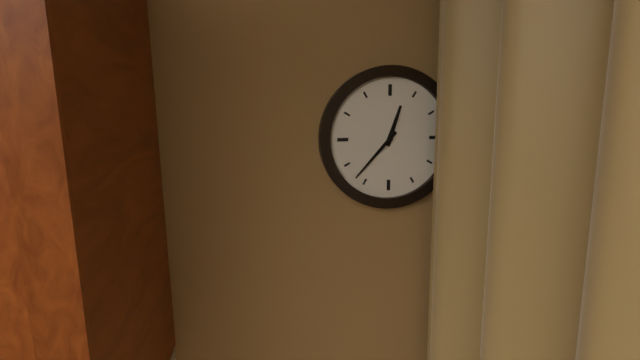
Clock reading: 12.37
